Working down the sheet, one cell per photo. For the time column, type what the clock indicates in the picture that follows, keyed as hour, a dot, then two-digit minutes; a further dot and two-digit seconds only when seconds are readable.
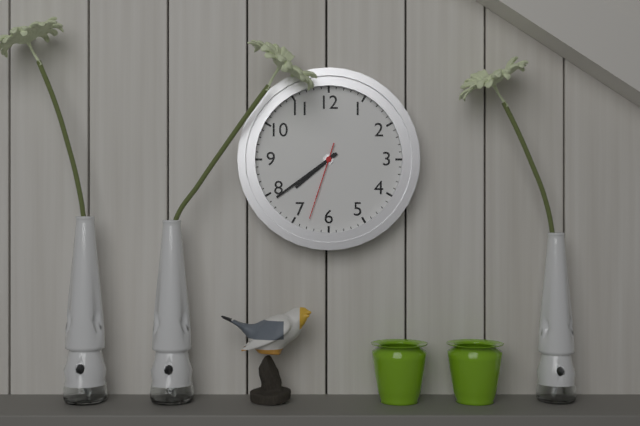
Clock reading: 7.39.33
